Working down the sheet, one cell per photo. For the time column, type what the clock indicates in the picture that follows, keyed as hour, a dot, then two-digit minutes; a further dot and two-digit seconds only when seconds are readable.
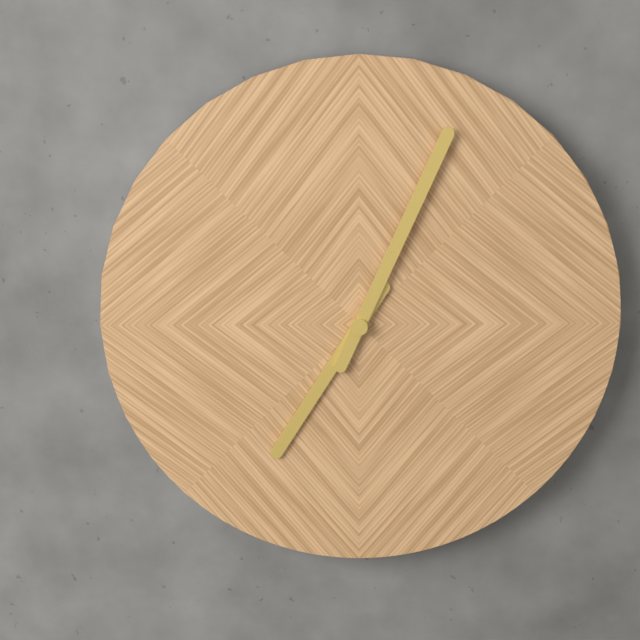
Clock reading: 7.04
